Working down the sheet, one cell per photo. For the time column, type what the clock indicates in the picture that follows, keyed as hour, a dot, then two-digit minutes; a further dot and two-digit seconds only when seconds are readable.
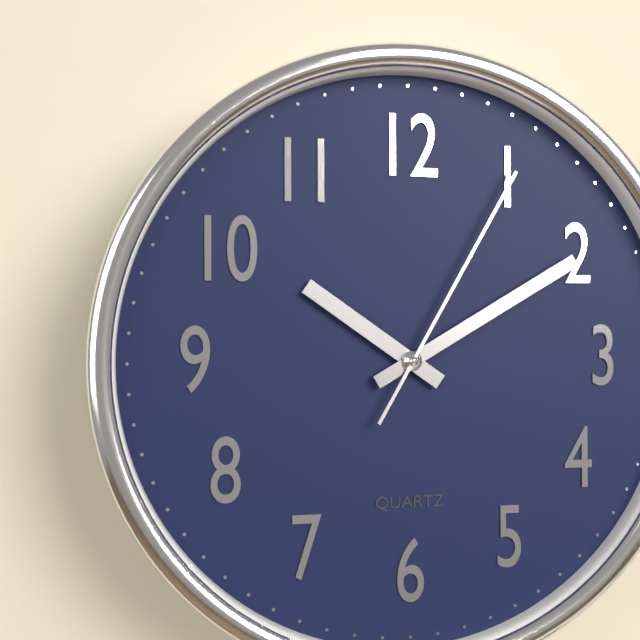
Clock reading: 10.10.05
